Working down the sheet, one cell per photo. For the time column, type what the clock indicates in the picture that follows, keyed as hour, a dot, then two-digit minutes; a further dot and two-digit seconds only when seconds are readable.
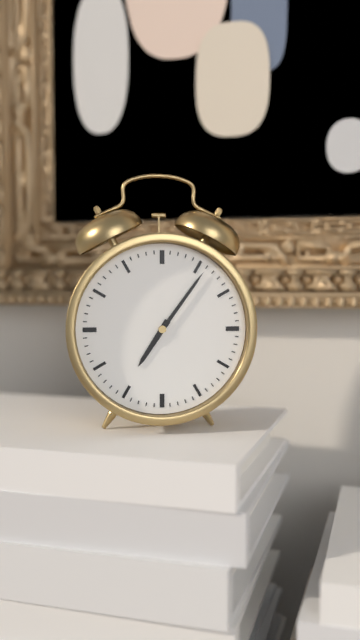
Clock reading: 7.06
